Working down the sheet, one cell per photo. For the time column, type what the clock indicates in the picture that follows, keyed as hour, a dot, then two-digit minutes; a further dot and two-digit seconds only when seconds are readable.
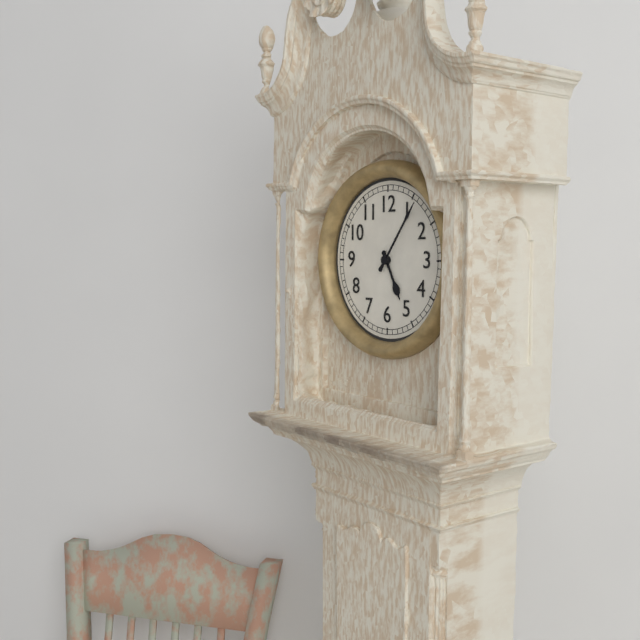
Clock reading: 5.06
